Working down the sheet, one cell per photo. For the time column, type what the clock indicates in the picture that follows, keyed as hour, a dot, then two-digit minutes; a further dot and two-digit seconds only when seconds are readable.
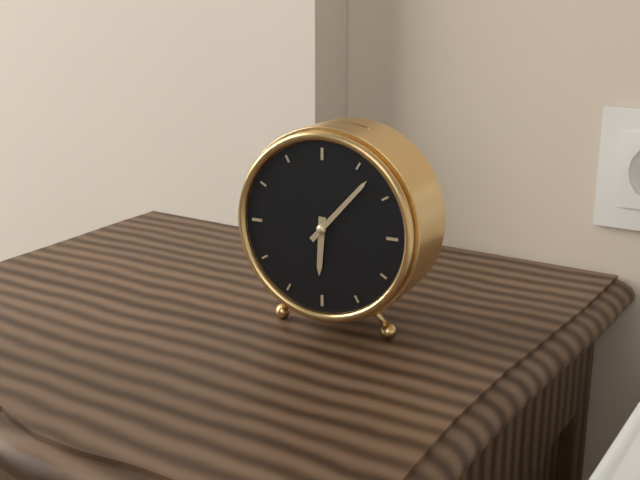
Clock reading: 6.07
